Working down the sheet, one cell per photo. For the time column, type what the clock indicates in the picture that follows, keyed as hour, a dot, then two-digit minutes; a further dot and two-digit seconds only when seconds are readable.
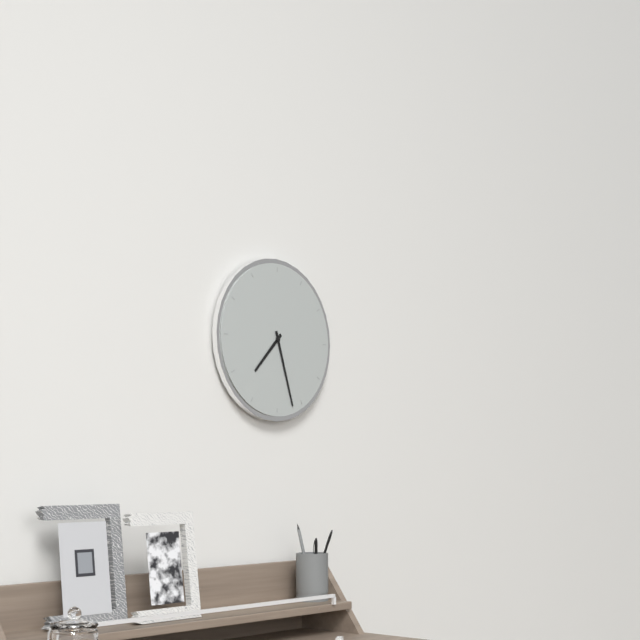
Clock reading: 7.27
